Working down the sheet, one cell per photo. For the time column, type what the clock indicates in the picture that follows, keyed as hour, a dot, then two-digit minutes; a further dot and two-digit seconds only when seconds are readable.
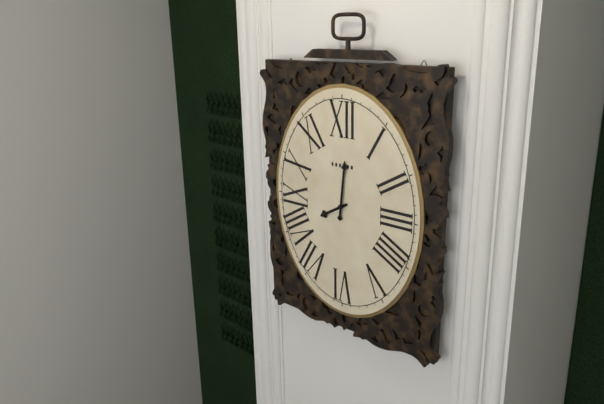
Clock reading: 8.01
